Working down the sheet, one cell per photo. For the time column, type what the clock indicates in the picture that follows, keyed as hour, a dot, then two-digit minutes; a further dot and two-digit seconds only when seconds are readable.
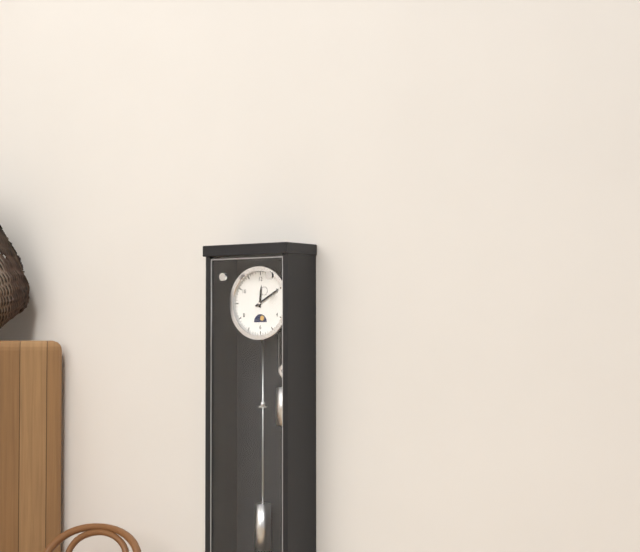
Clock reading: 12.10
